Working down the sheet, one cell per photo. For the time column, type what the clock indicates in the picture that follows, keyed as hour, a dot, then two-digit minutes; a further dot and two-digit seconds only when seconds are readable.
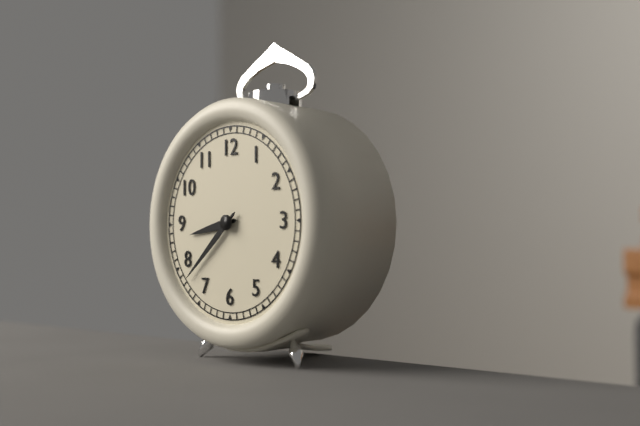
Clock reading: 8.38
